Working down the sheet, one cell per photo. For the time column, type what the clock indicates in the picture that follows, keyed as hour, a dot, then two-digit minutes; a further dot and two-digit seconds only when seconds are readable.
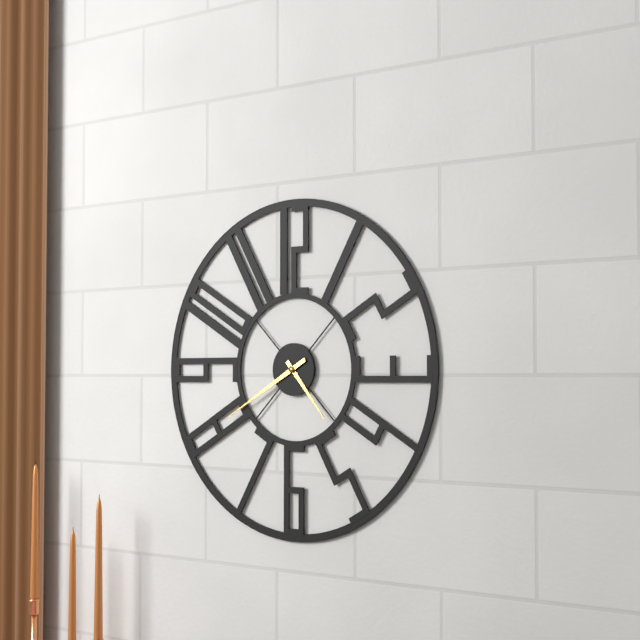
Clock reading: 4.40
